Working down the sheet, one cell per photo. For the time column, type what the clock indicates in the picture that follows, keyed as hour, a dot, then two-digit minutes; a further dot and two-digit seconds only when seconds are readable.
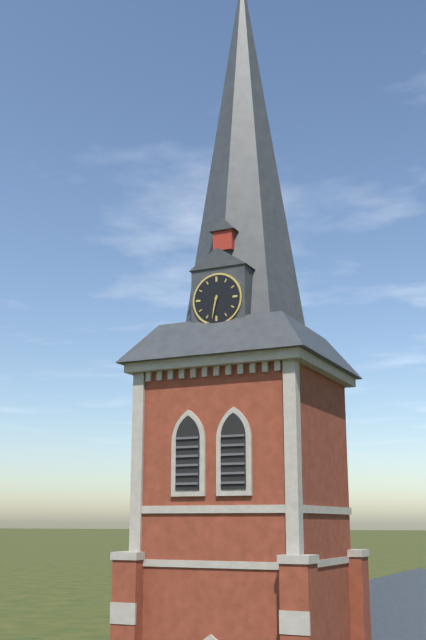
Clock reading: 6.32
